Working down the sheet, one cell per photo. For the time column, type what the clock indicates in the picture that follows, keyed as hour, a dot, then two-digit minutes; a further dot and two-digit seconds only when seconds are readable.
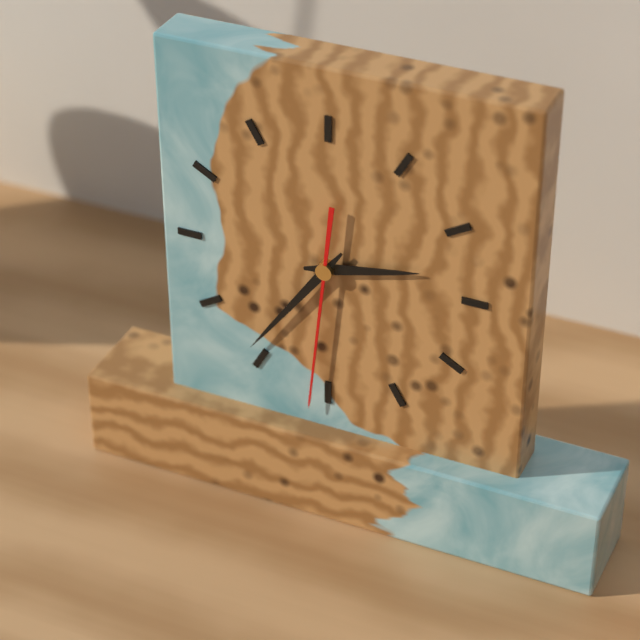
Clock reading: 2.36.31
